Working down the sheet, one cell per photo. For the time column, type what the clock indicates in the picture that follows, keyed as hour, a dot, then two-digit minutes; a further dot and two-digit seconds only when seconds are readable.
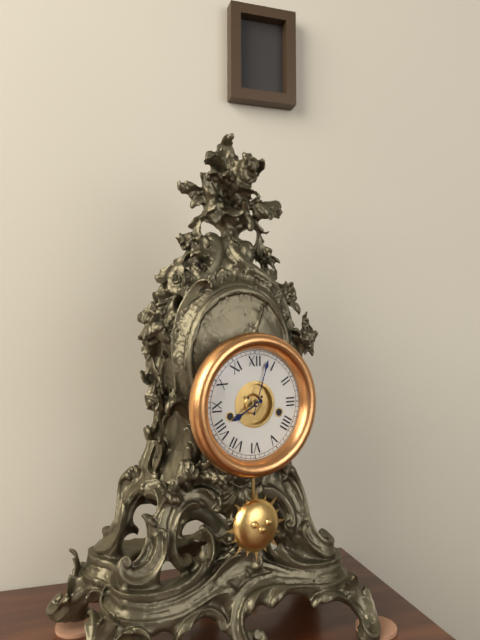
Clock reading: 8.03
